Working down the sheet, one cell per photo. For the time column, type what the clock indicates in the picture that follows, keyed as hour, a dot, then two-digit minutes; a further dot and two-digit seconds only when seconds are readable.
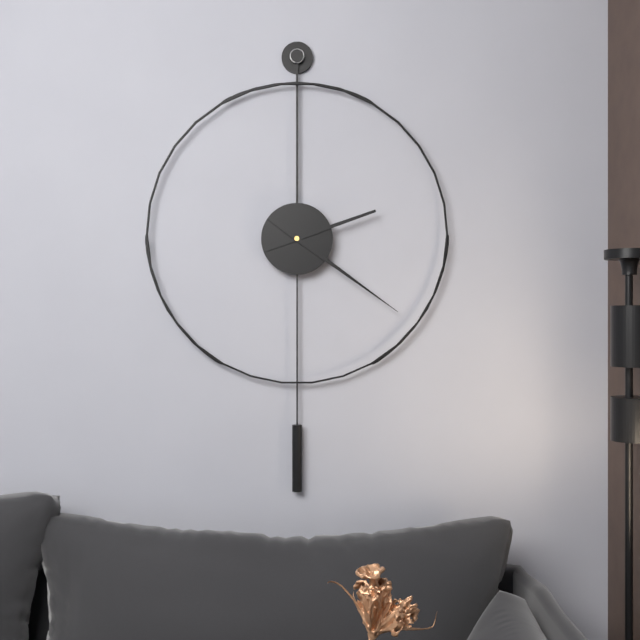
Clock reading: 2.21
